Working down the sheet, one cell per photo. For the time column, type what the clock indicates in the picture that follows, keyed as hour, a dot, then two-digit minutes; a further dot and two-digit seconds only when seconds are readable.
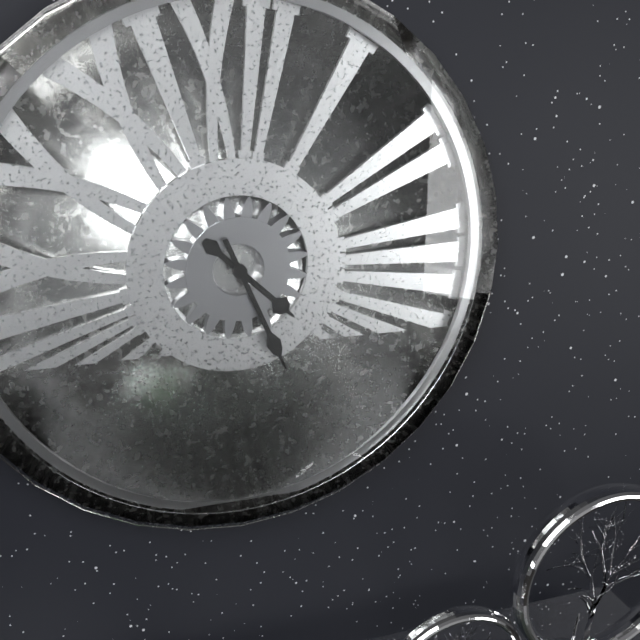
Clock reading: 4.26
